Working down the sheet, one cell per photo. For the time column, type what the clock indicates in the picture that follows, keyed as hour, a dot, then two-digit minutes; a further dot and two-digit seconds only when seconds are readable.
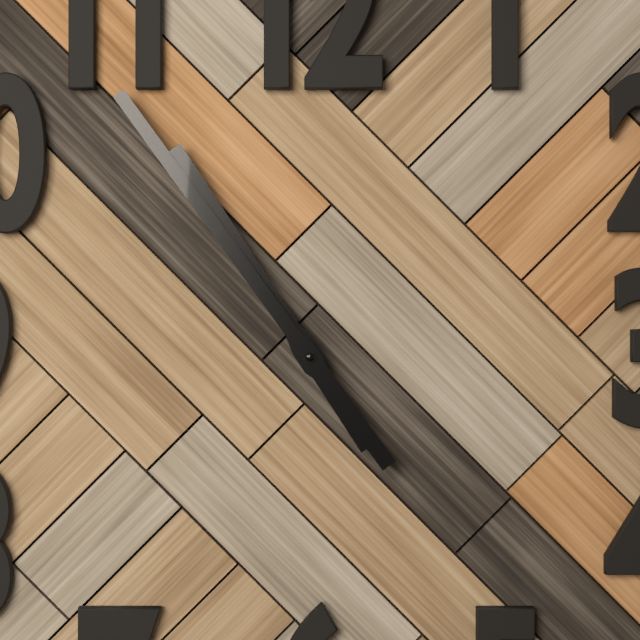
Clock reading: 10.54
